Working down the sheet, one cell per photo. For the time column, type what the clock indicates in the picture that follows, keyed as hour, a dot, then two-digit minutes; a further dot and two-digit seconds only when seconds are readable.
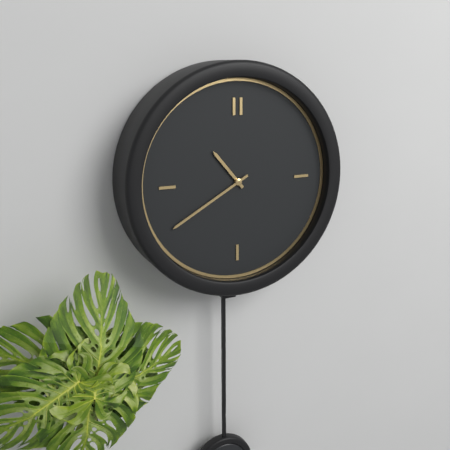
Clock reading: 10.40
